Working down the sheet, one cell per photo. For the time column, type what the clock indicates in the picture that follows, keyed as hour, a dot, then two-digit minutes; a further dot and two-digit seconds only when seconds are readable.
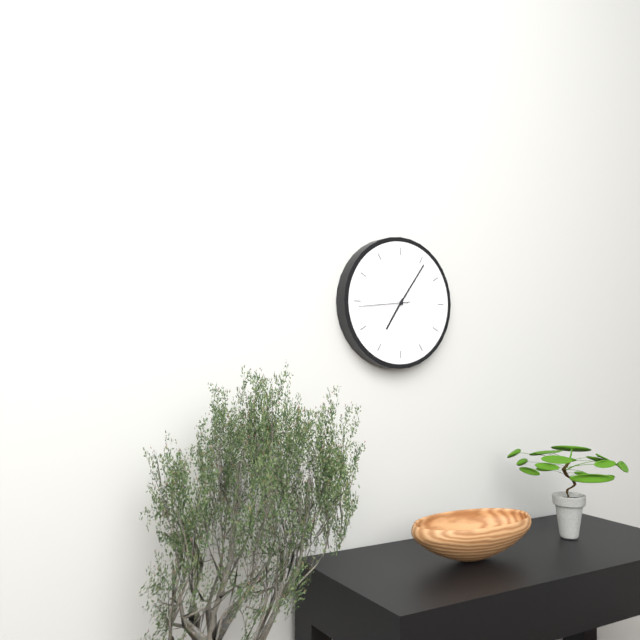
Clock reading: 7.06.44
